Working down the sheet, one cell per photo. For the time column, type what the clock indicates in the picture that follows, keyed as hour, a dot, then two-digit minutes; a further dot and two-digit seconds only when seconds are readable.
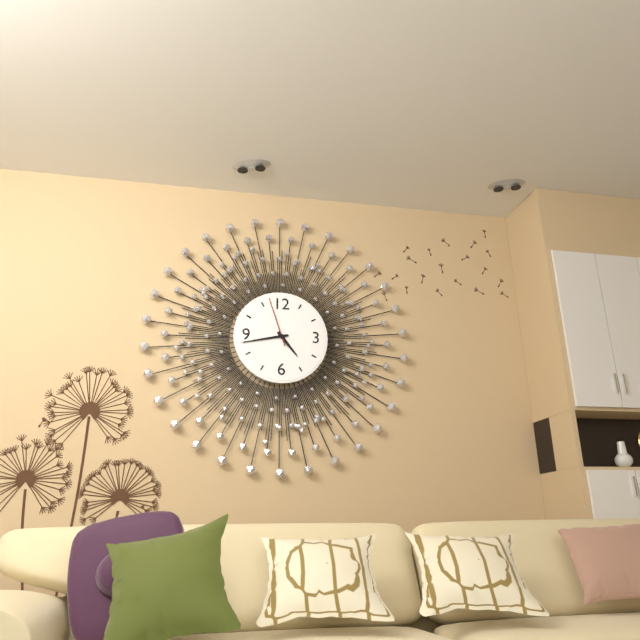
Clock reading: 4.43.57
